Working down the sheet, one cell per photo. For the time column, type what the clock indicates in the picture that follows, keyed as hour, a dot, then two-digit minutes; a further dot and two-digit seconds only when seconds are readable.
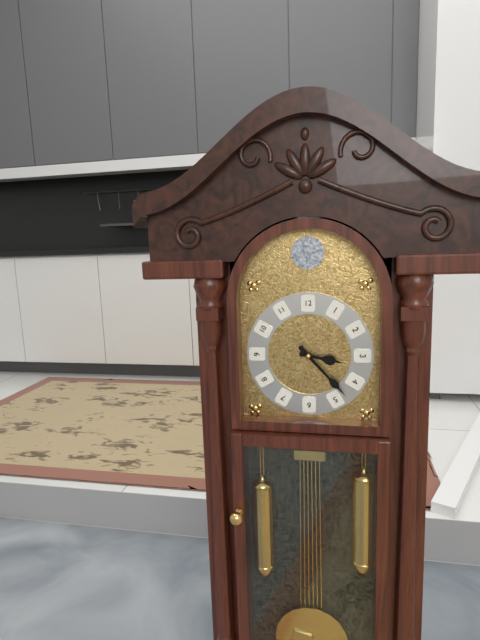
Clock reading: 3.23
